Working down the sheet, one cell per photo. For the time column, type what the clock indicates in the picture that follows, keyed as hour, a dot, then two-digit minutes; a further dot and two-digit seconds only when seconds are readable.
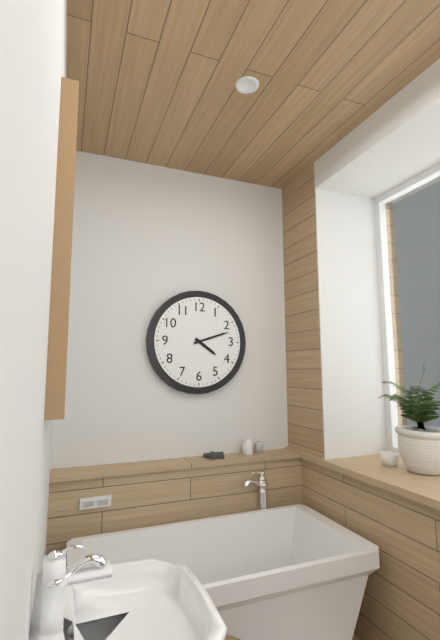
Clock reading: 4.12
